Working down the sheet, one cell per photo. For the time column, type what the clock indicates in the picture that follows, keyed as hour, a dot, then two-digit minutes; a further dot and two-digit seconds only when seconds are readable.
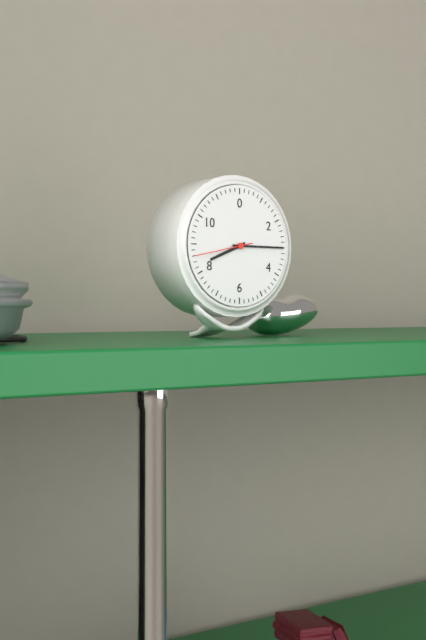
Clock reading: 8.15.43
